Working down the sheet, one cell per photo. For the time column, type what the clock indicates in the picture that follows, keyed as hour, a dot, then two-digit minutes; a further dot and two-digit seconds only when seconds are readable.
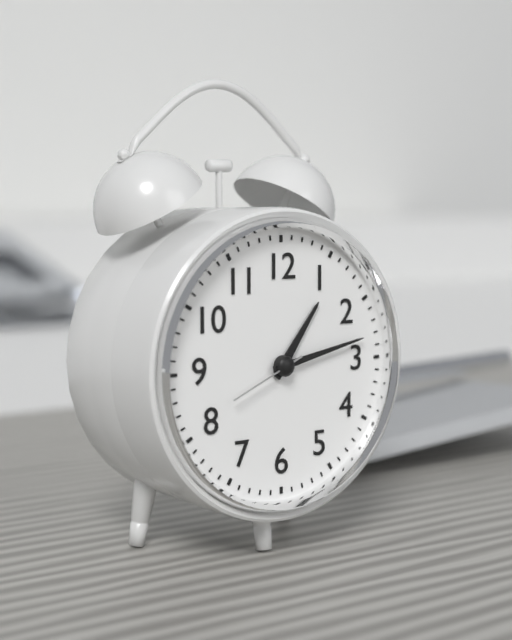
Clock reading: 1.13.41
